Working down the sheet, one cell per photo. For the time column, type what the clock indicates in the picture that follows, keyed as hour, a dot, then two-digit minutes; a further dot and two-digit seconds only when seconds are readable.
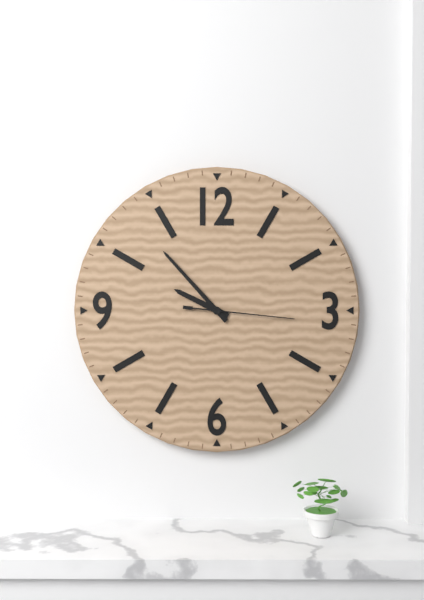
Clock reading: 9.53.16
